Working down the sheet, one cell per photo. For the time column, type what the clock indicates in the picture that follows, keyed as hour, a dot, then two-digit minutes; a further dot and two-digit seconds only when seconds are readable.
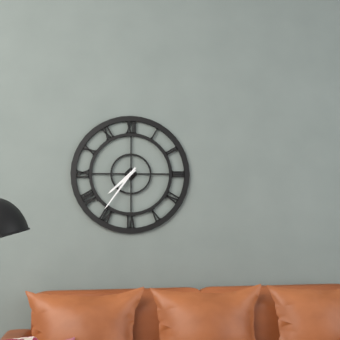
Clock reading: 7.36
